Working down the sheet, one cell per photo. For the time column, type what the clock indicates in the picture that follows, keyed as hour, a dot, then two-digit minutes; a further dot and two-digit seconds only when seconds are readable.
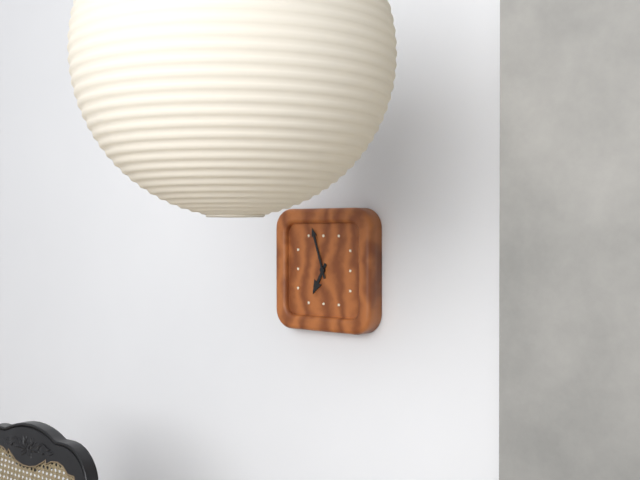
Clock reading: 6.57
